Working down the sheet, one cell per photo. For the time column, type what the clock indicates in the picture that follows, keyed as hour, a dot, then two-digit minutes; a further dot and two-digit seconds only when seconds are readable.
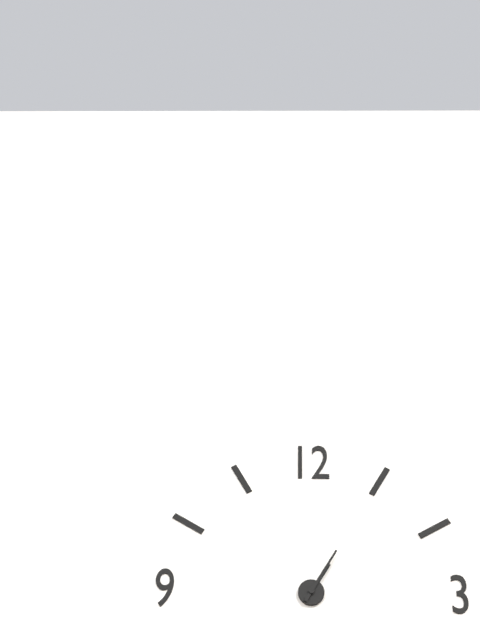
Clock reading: 1.05
